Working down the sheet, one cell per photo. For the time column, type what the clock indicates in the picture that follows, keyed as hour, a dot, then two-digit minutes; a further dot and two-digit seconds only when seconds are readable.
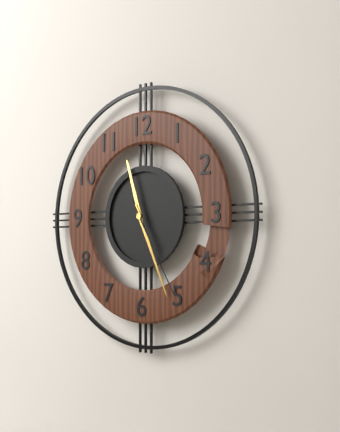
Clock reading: 11.26.25
